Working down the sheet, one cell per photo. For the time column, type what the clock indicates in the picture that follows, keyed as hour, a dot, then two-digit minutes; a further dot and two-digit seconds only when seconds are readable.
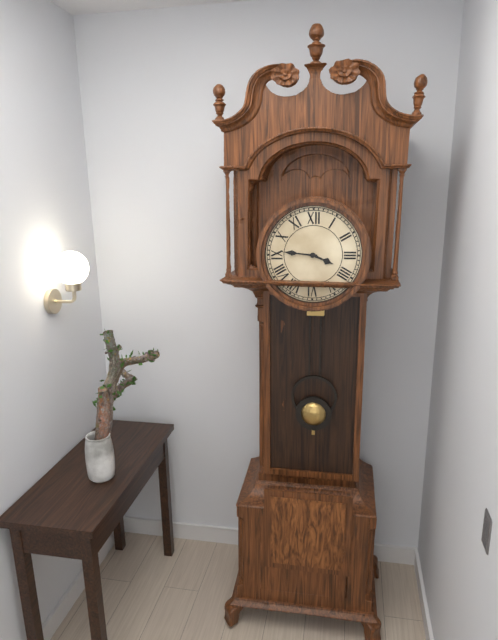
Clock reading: 3.46
